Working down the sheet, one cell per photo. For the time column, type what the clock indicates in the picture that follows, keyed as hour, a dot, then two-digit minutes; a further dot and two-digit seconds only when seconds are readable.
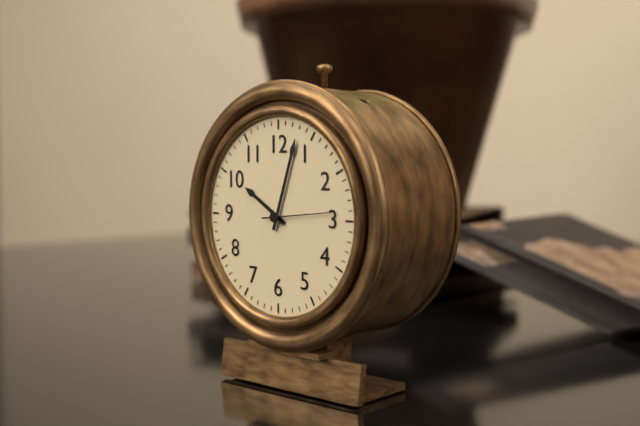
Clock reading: 10.03.14
